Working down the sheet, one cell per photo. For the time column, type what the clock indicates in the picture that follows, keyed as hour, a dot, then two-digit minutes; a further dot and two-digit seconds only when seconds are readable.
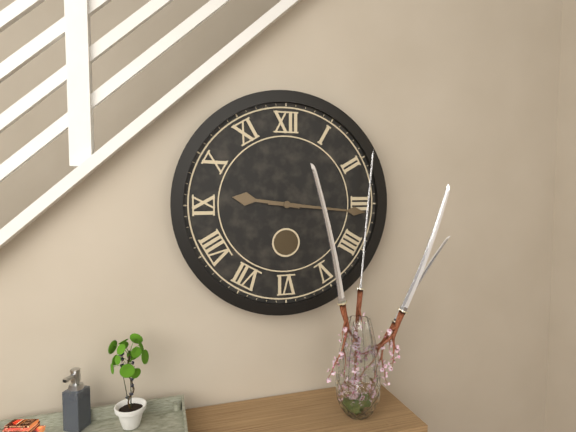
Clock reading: 9.16
